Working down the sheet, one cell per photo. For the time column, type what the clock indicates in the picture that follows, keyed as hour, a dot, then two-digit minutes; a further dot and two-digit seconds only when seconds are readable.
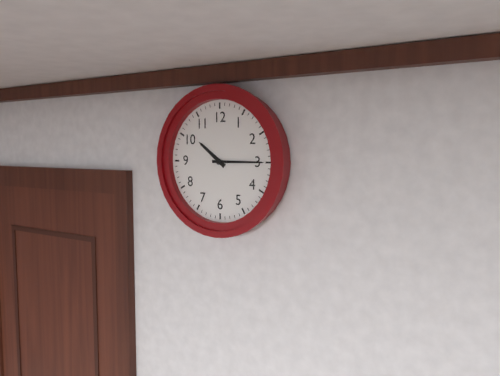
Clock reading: 10.15
